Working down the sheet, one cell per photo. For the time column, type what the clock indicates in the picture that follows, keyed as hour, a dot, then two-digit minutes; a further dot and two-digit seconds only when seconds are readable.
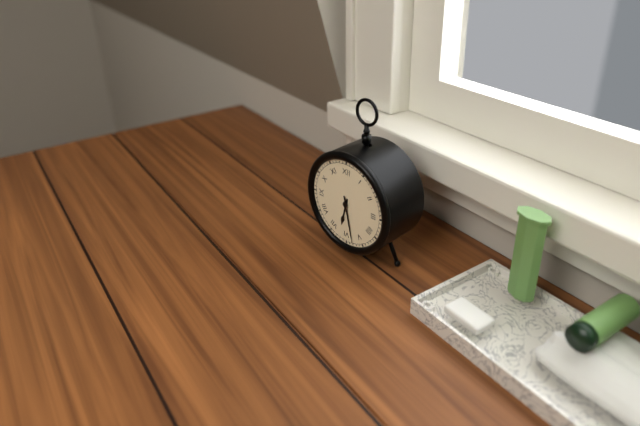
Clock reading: 6.28
